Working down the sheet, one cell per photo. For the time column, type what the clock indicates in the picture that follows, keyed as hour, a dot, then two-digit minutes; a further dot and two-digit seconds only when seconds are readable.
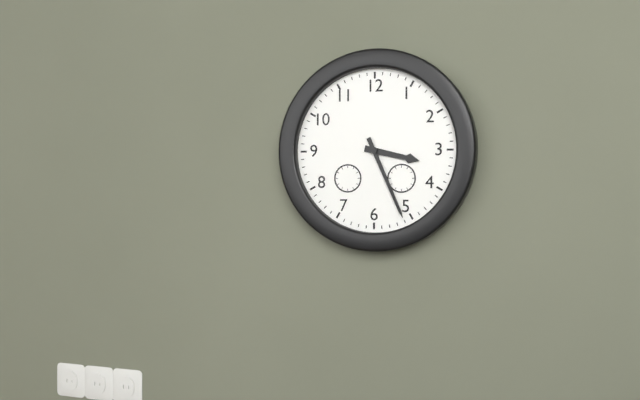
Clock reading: 3.26
